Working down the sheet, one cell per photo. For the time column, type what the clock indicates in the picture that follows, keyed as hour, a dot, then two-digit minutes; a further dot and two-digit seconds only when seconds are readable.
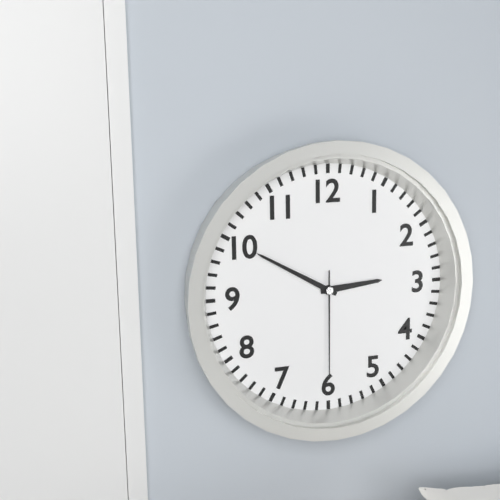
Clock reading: 2.50.30
